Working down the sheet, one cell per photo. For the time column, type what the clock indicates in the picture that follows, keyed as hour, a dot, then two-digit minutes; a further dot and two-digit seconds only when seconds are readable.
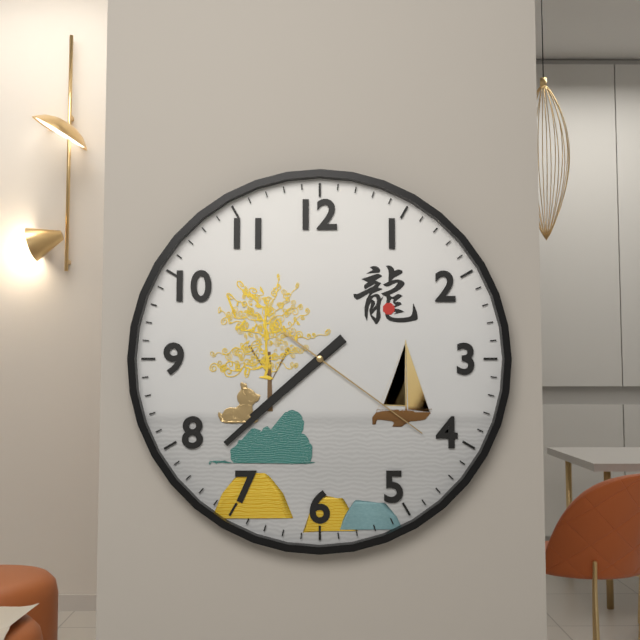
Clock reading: 7.38.21
